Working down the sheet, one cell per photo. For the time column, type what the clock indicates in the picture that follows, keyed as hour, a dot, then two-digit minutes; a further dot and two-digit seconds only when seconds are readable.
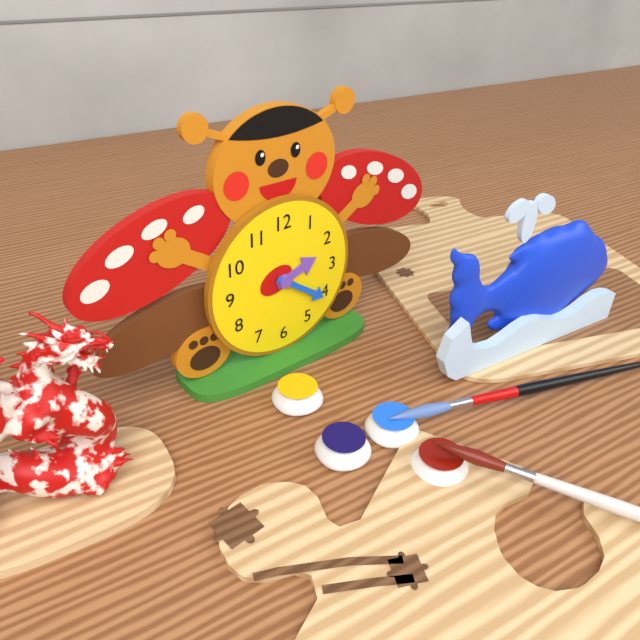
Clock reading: 2.21
